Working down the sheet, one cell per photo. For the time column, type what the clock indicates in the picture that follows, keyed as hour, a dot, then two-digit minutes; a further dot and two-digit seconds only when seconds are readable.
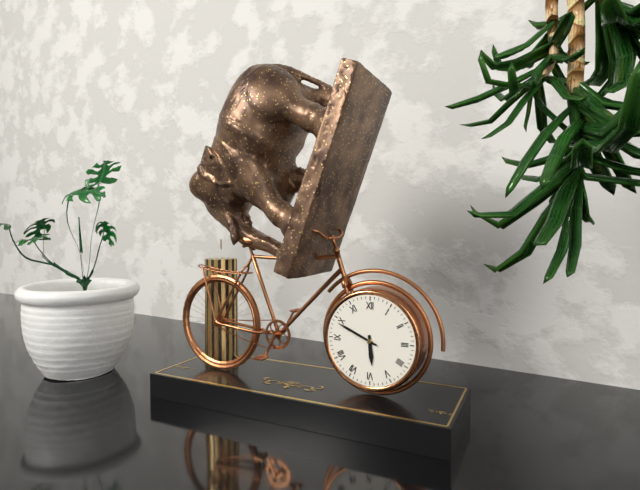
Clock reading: 5.49
